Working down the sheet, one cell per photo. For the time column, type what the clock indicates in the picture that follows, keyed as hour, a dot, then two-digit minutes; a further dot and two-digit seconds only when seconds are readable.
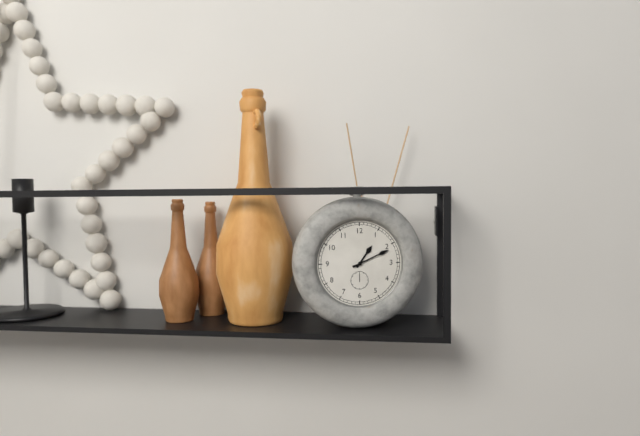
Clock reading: 1.11
